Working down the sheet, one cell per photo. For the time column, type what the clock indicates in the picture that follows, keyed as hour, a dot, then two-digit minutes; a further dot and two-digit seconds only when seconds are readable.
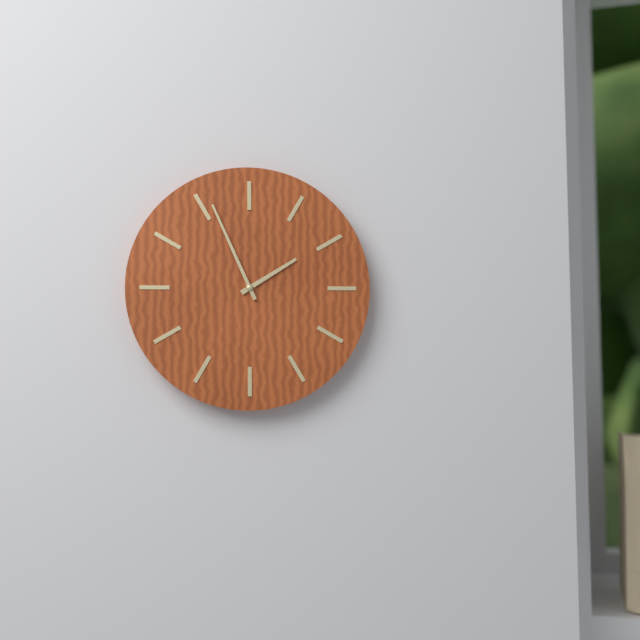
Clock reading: 1.56
